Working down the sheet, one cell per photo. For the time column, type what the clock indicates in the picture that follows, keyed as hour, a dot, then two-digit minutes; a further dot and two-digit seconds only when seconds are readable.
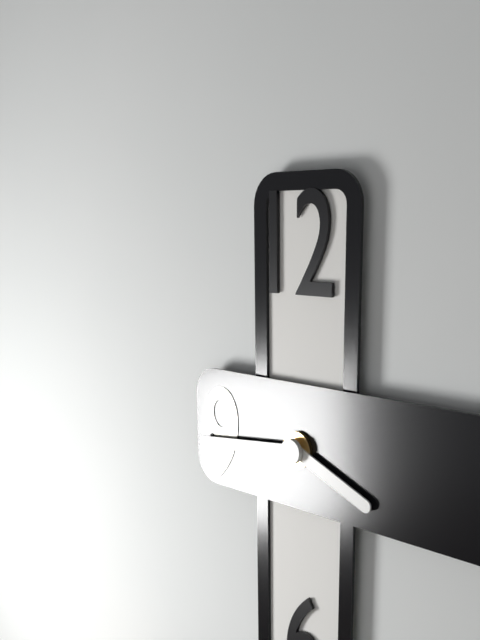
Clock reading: 3.44
